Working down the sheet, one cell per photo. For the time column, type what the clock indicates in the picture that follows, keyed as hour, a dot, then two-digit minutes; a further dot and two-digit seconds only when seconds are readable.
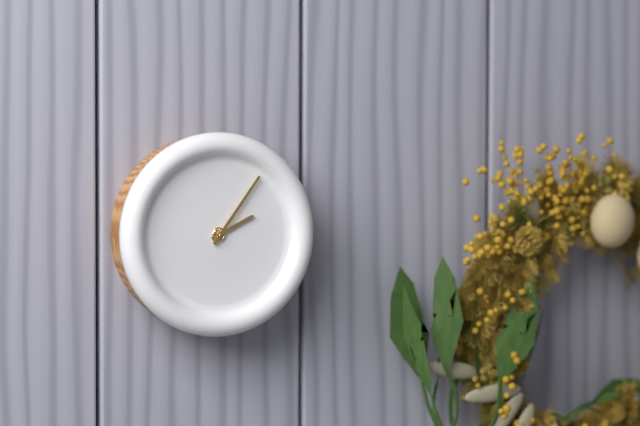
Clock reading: 2.06
